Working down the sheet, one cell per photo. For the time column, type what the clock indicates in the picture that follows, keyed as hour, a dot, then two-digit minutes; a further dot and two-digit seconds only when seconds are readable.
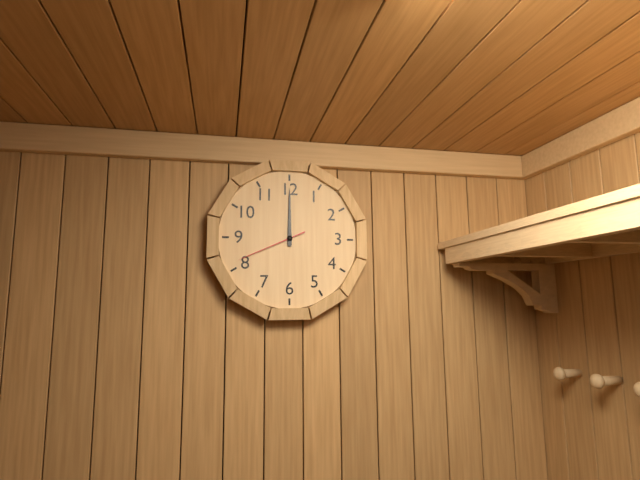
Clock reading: 12.00.41
